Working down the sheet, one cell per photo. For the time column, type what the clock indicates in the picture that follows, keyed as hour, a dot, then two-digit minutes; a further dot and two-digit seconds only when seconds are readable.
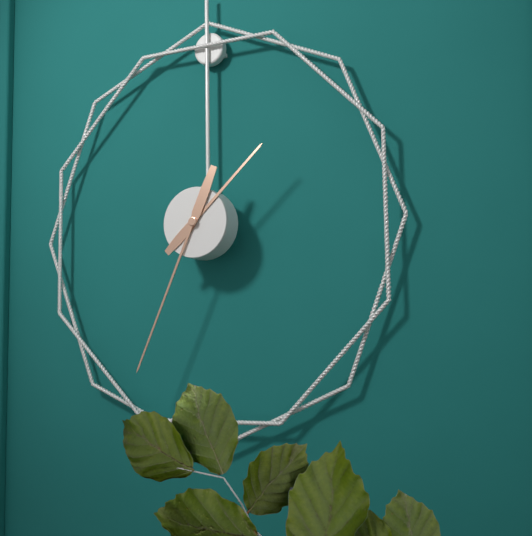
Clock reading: 1.34
